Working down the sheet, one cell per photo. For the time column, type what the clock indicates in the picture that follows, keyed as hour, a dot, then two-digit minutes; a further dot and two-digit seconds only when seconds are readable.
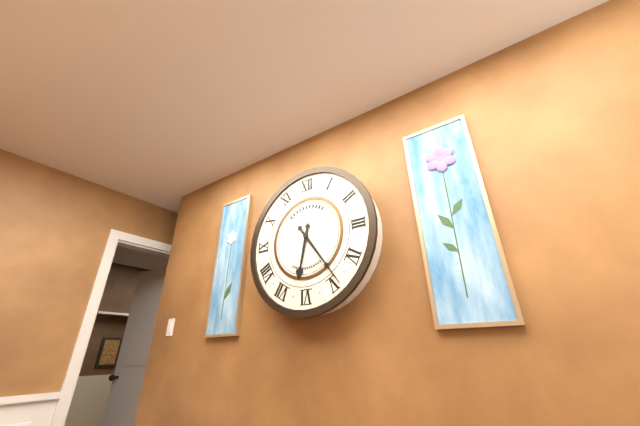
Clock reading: 6.24
